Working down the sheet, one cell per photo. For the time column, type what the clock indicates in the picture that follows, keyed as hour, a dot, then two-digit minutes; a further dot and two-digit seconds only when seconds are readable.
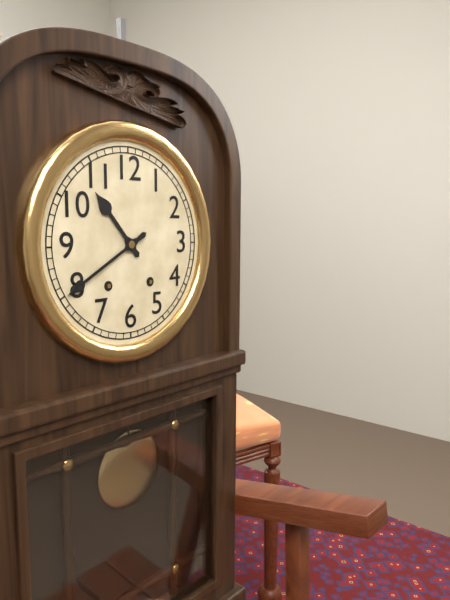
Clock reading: 10.40
